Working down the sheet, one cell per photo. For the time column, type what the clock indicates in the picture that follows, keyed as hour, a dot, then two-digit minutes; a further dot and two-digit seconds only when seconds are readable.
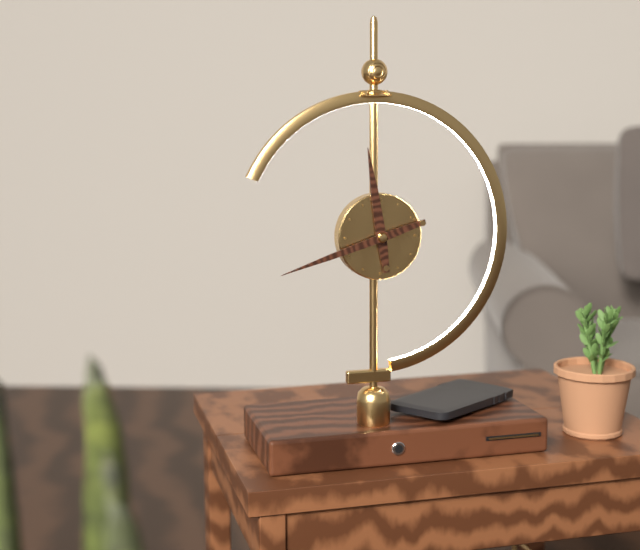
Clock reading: 11.42
